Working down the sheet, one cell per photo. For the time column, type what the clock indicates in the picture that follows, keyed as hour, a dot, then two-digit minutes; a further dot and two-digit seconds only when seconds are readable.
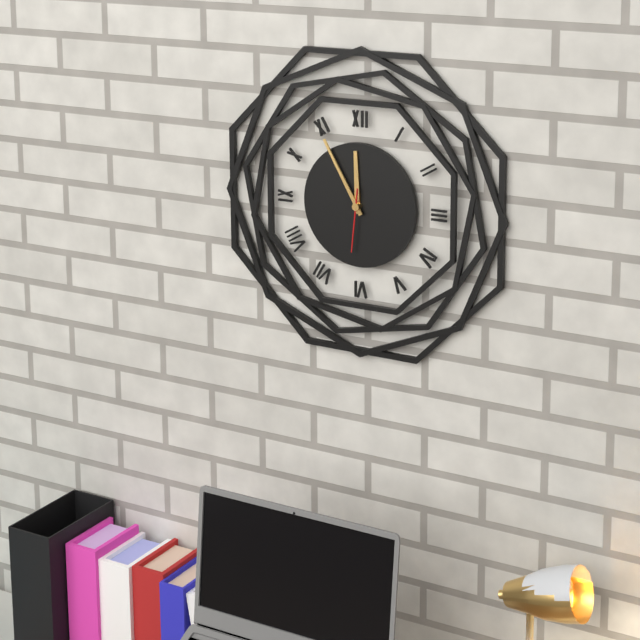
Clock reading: 11.55.31
